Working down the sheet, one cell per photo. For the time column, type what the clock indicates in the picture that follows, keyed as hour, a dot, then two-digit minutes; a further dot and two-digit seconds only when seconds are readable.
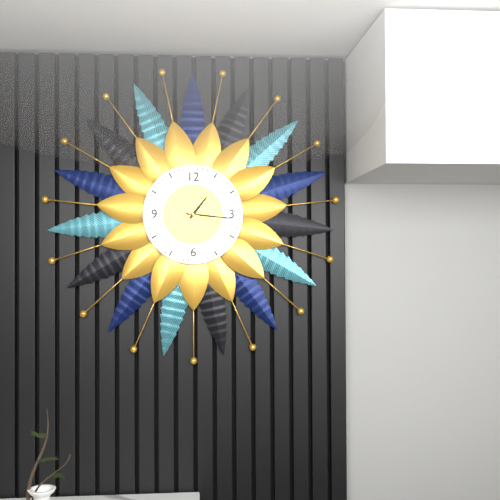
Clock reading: 1.16.18
